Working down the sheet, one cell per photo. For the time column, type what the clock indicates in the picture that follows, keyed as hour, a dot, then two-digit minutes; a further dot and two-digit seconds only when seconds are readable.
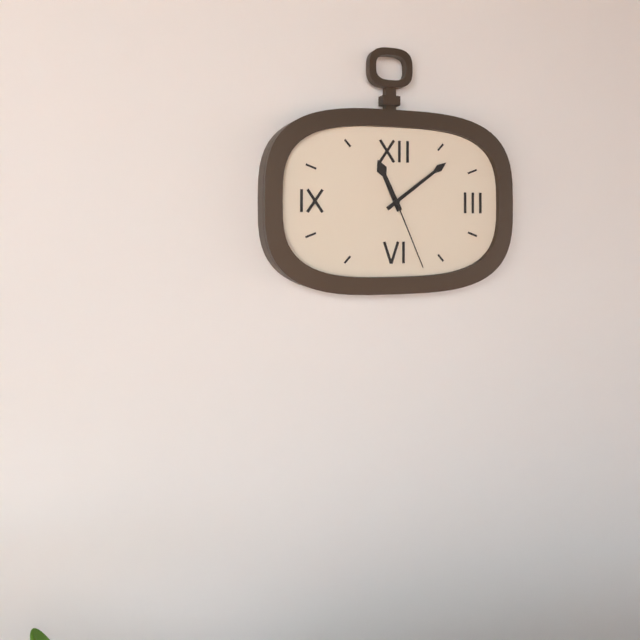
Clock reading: 11.09.26
